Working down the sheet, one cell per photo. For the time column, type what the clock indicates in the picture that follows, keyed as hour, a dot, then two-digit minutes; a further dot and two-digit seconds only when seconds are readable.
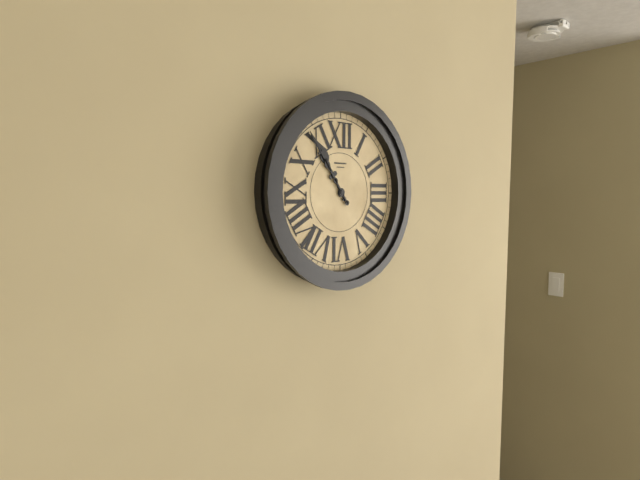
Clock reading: 10.54
